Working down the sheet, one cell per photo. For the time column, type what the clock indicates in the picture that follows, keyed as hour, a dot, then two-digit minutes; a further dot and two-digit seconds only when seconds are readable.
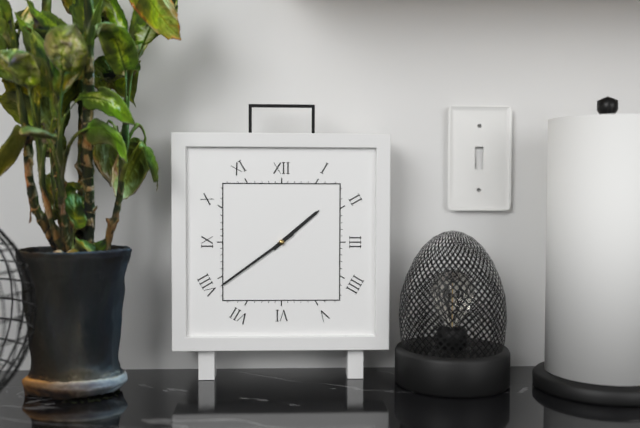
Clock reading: 1.39
